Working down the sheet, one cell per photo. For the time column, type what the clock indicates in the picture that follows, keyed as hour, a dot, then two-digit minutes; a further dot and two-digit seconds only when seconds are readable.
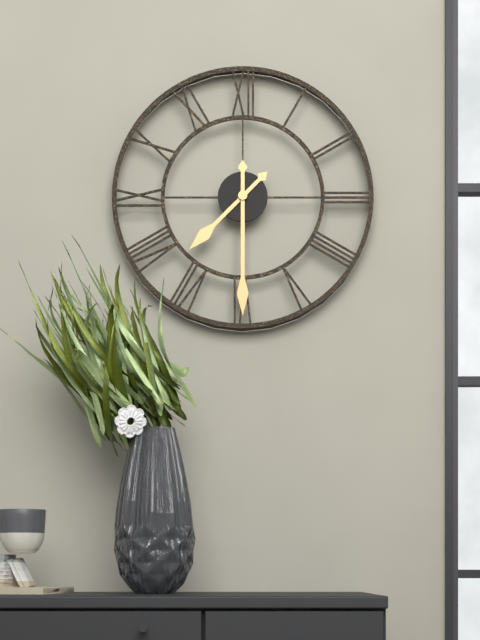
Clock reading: 7.30
